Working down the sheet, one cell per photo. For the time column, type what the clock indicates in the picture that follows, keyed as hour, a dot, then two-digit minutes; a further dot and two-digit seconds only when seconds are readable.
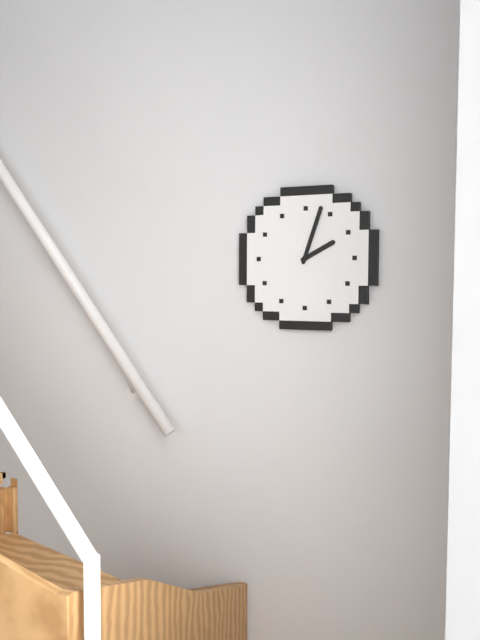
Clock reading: 2.03
